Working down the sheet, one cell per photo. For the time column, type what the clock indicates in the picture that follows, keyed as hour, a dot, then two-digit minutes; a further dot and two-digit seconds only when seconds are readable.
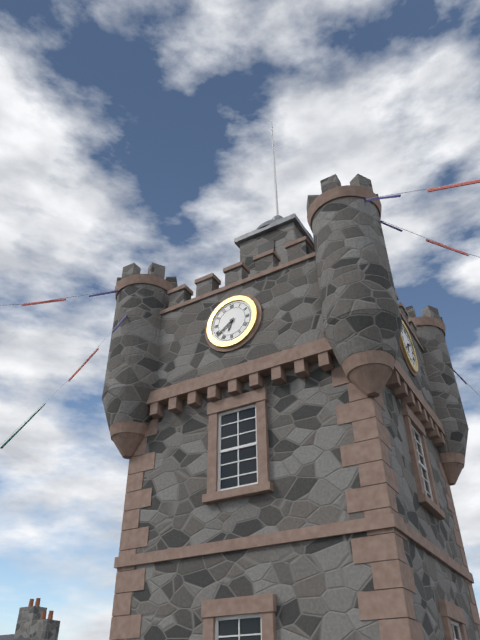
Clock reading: 6.39
